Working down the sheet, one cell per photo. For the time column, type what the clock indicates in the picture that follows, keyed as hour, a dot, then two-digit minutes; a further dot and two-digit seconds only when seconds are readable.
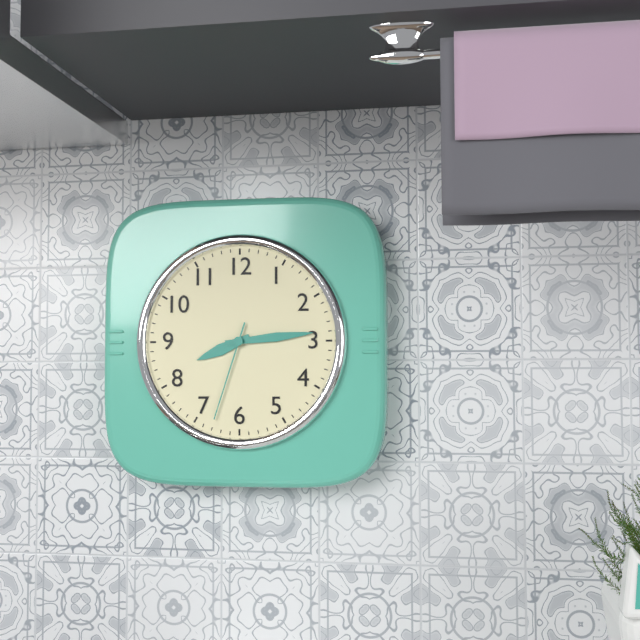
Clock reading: 8.14.33
